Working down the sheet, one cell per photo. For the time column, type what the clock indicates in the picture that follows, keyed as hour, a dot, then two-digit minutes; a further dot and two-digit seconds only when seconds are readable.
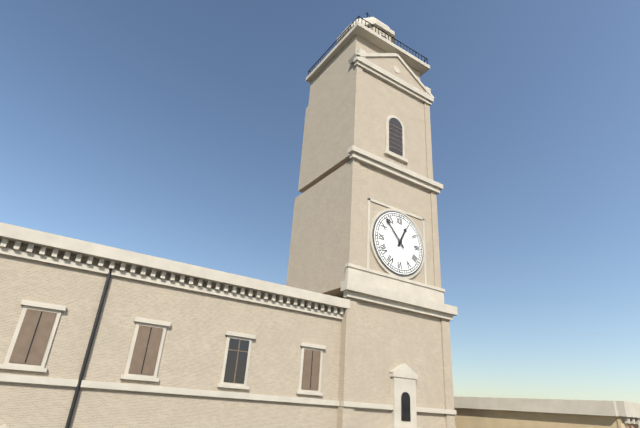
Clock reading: 12.53
